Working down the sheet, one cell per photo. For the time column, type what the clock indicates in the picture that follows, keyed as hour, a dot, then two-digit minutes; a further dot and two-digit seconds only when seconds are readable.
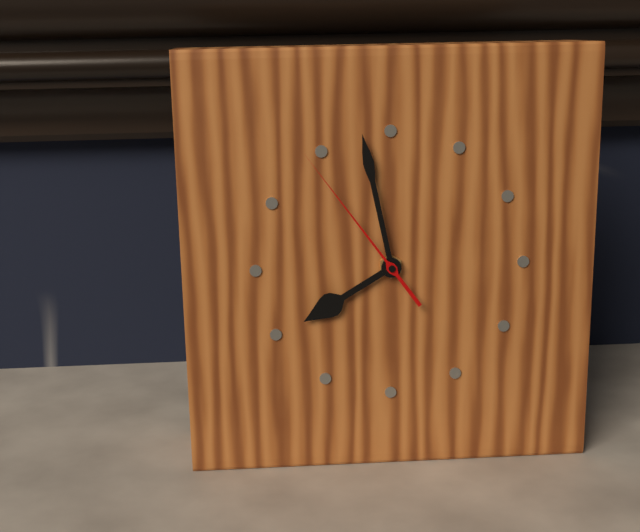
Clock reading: 7.58.54
